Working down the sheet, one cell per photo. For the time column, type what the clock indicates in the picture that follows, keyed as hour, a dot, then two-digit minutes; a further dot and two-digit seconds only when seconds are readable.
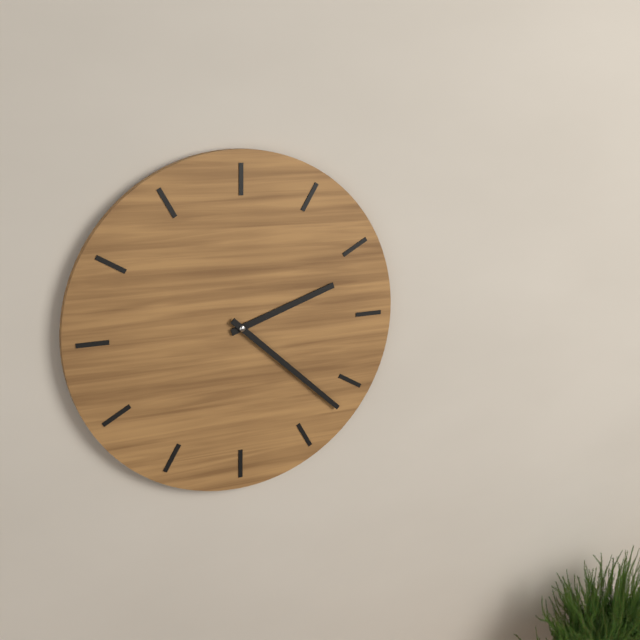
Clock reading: 2.22
